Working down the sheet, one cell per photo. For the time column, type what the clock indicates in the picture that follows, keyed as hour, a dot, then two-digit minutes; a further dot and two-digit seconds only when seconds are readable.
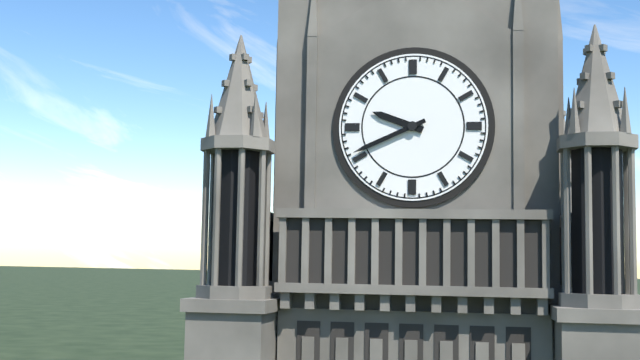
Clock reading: 9.41
